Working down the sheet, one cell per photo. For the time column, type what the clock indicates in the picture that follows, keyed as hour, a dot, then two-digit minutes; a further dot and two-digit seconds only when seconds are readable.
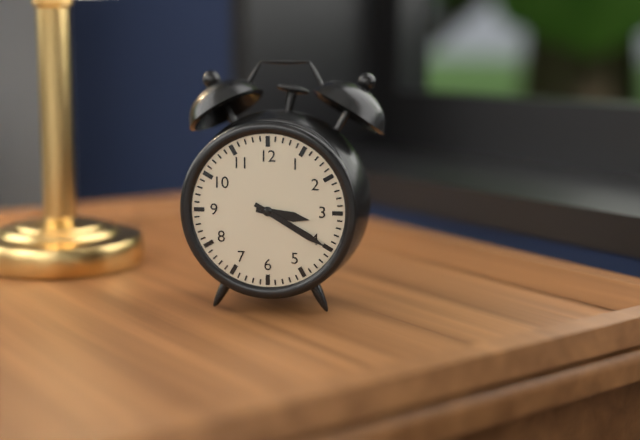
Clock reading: 3.20
